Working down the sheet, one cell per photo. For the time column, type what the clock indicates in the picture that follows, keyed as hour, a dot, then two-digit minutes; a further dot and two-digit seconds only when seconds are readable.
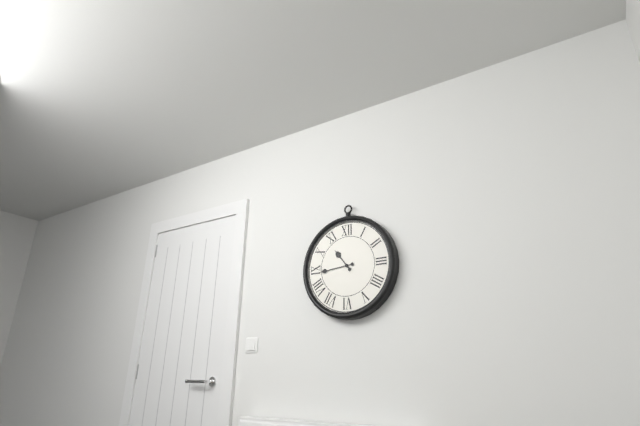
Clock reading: 10.44
